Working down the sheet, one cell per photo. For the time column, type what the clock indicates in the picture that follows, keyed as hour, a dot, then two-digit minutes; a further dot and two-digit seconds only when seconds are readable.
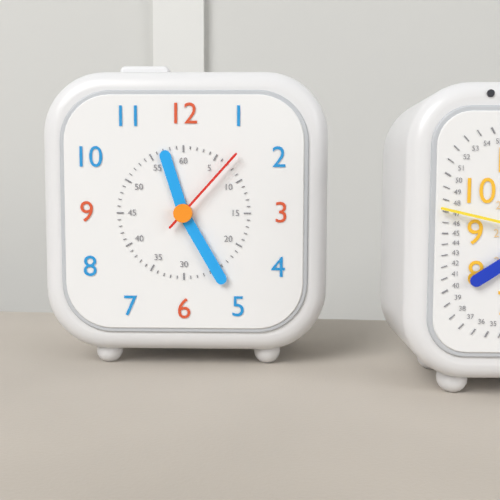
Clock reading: 11.25.07
